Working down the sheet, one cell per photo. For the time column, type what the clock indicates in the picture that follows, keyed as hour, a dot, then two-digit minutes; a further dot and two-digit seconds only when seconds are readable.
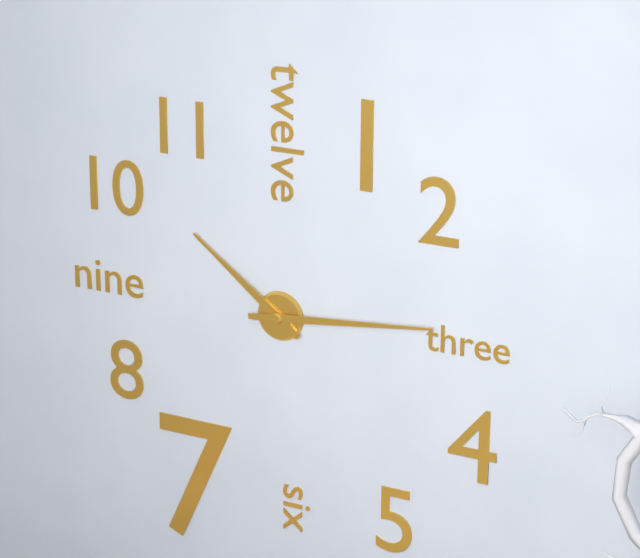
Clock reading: 10.14
